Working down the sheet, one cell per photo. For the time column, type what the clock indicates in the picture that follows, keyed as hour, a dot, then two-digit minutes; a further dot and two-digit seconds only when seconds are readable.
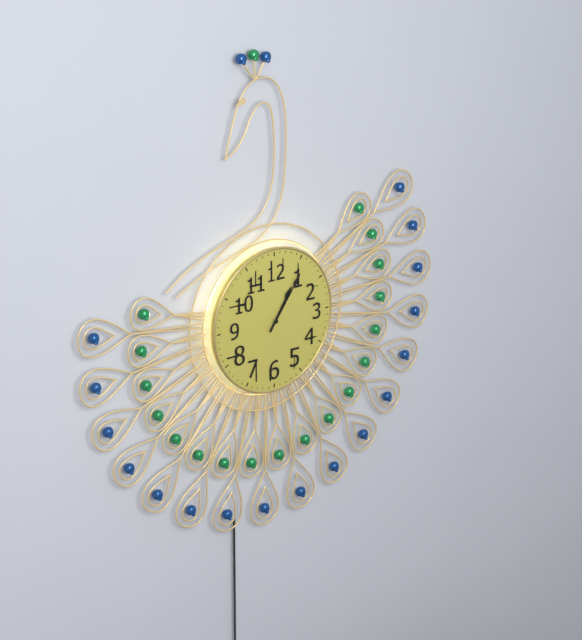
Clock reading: 1.06
